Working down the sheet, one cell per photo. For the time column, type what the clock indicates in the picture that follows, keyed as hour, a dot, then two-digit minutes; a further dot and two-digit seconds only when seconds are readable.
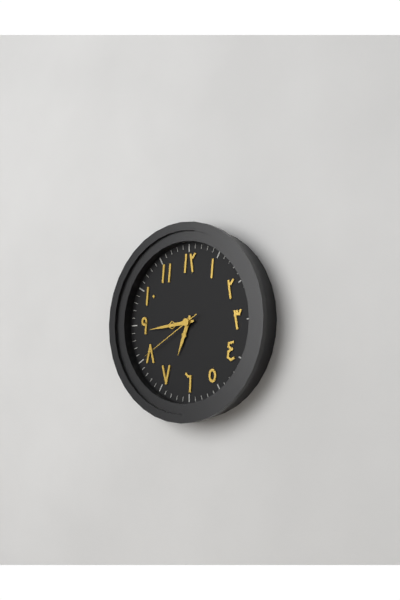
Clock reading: 6.44.40
